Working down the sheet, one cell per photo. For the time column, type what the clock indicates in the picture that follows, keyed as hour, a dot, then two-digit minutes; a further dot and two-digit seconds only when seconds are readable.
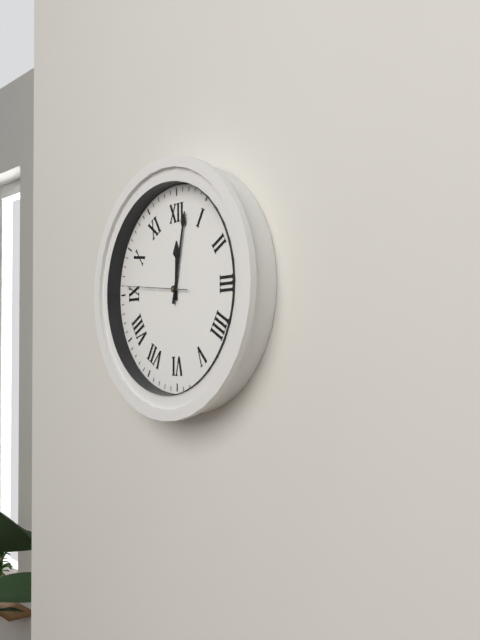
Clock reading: 12.02.46
